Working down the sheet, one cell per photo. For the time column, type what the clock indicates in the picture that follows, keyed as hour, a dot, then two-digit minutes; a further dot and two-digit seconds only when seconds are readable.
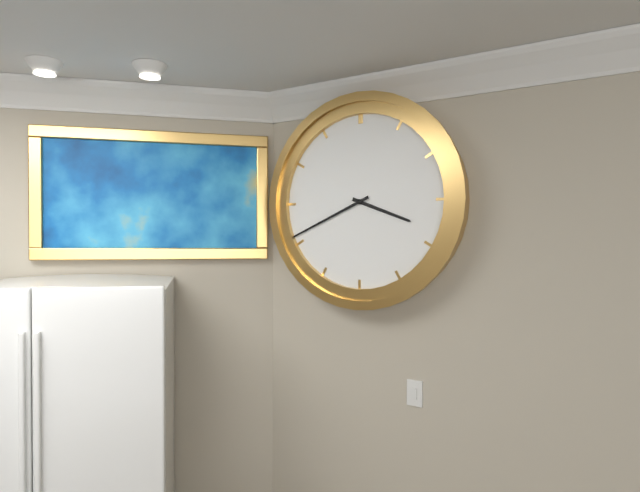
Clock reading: 3.41
